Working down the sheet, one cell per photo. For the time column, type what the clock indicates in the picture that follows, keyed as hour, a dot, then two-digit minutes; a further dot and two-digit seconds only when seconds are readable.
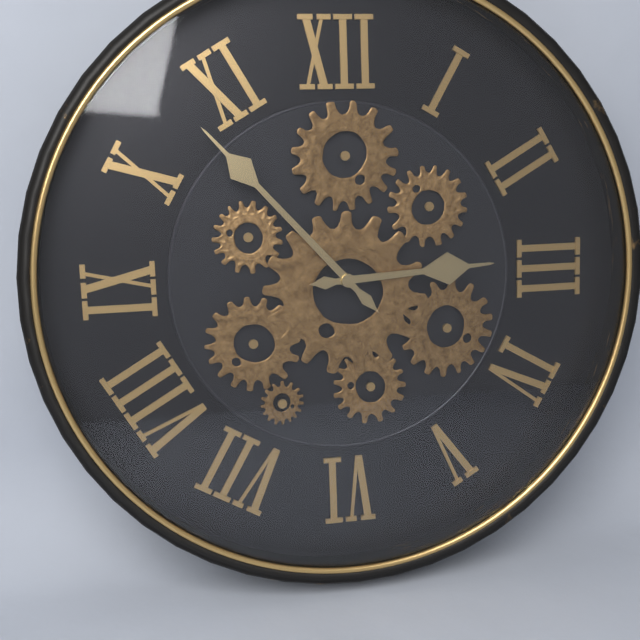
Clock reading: 2.53
